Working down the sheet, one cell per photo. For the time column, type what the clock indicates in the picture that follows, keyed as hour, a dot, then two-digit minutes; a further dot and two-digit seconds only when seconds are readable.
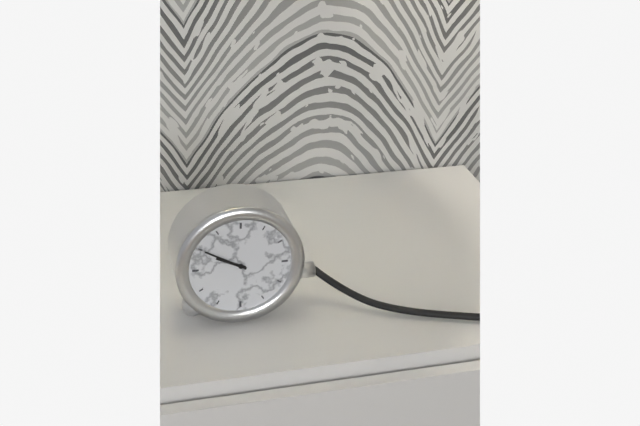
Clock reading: 9.50
